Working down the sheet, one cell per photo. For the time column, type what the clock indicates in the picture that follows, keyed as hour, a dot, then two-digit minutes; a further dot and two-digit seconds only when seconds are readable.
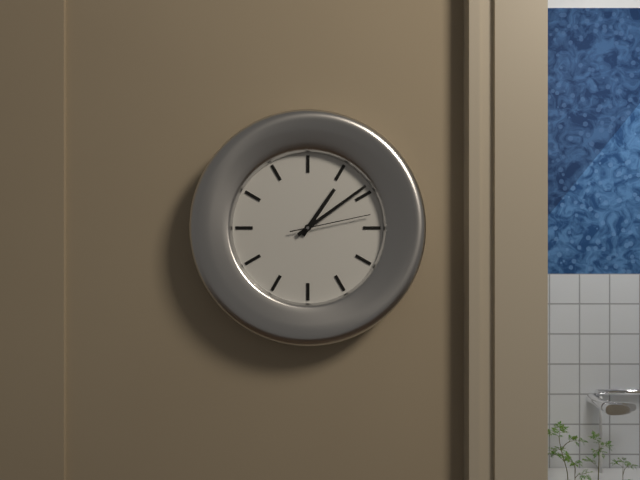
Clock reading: 1.09.13
